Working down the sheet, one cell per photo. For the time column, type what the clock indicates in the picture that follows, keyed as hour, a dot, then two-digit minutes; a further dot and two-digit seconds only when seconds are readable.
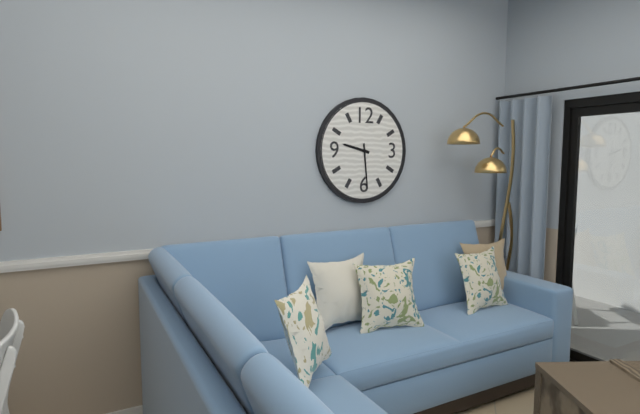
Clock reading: 9.29
